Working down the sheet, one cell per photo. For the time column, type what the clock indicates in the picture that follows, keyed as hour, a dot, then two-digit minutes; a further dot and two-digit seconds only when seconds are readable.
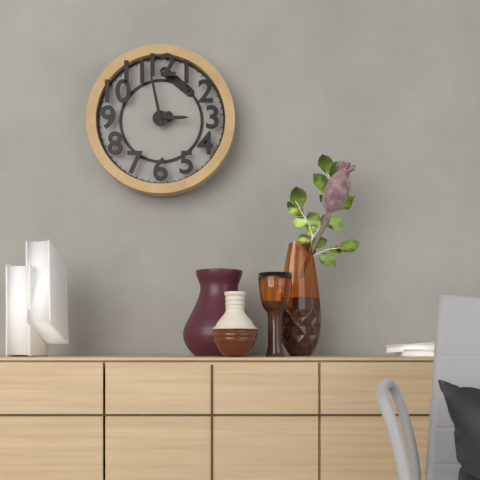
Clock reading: 2.58
